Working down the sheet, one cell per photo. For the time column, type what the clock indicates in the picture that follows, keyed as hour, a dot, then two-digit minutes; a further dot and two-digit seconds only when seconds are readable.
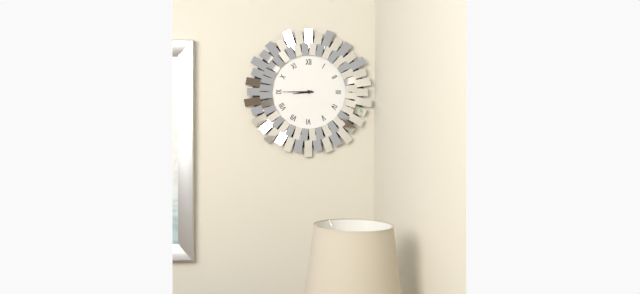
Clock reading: 8.45
